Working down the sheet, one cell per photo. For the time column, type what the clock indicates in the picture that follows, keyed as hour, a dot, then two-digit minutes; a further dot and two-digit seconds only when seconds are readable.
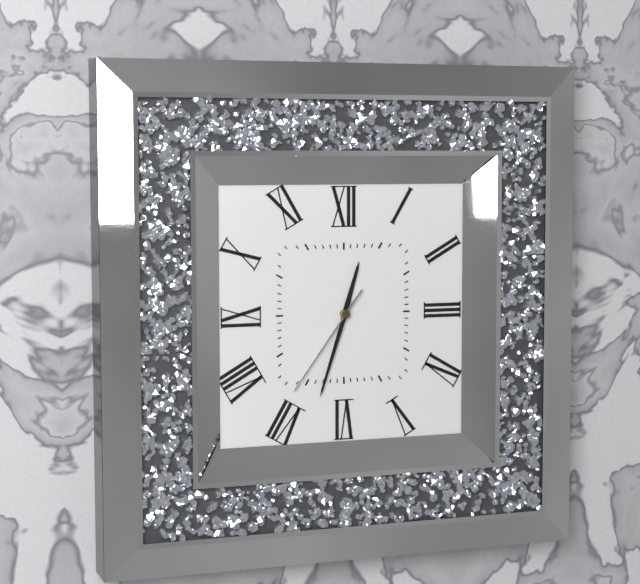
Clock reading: 12.33.36
